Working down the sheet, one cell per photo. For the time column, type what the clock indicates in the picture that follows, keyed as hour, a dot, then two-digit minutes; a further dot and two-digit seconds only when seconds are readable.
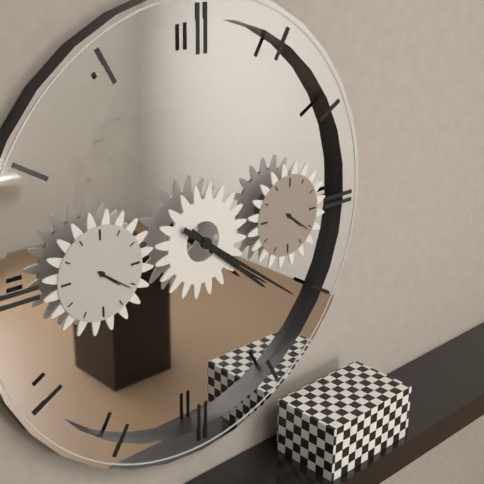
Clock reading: 4.21
